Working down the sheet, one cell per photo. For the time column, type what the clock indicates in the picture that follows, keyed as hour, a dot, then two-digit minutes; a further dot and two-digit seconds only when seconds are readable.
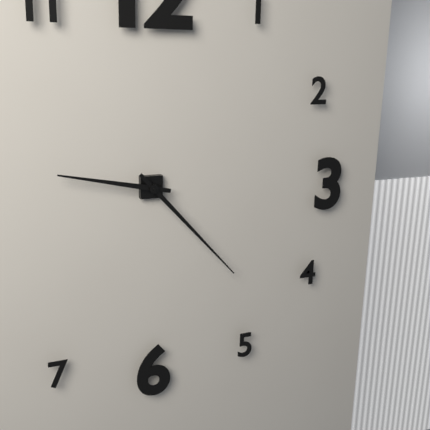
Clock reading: 9.23
